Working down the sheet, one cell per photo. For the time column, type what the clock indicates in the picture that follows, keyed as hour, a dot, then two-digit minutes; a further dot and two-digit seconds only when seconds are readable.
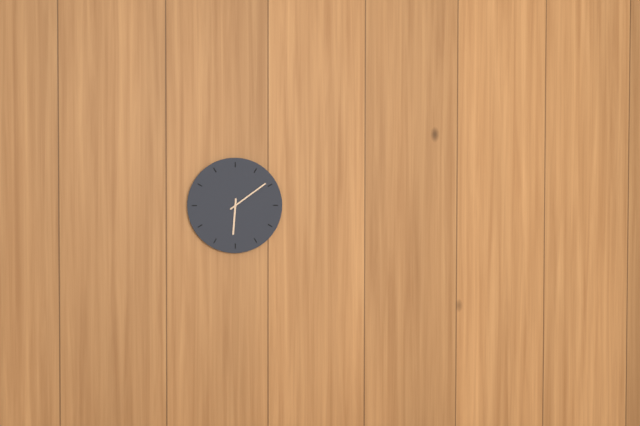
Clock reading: 6.09
